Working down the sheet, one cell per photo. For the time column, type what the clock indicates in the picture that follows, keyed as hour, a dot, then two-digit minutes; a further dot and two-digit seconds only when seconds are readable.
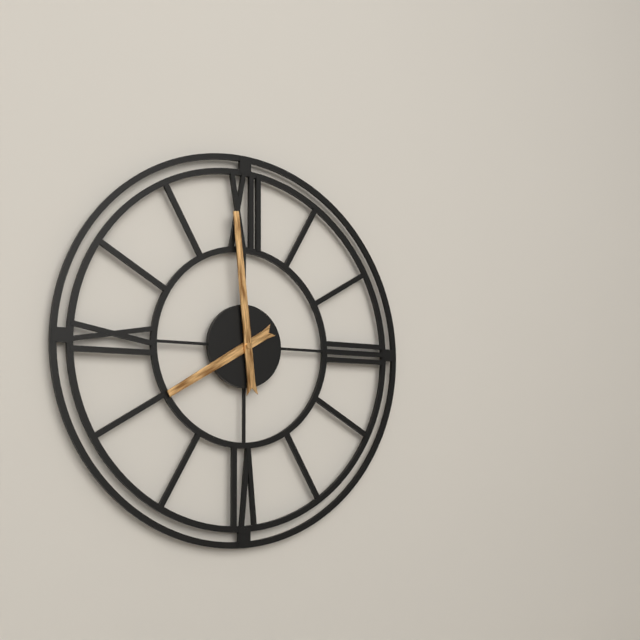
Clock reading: 7.59
